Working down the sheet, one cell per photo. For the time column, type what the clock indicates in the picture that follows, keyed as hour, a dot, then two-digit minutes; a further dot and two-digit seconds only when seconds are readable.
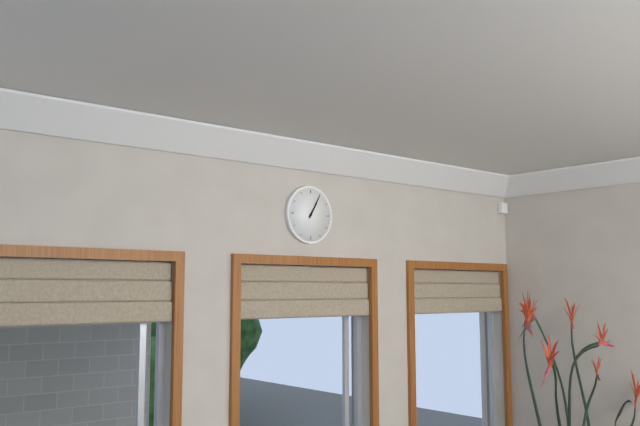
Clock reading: 1.05
